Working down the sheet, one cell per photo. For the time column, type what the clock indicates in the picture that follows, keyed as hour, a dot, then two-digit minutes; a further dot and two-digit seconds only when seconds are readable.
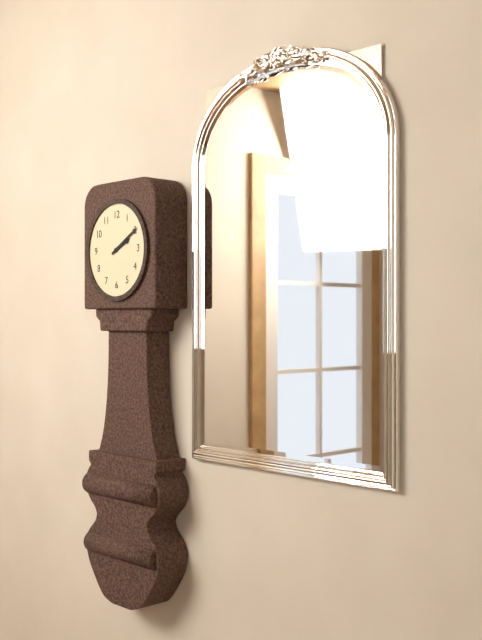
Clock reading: 2.10
